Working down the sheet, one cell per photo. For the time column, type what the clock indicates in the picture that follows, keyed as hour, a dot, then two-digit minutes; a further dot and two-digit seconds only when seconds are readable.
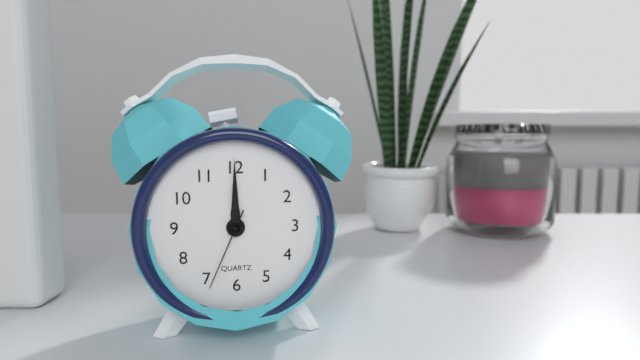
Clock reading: 12.00.34
